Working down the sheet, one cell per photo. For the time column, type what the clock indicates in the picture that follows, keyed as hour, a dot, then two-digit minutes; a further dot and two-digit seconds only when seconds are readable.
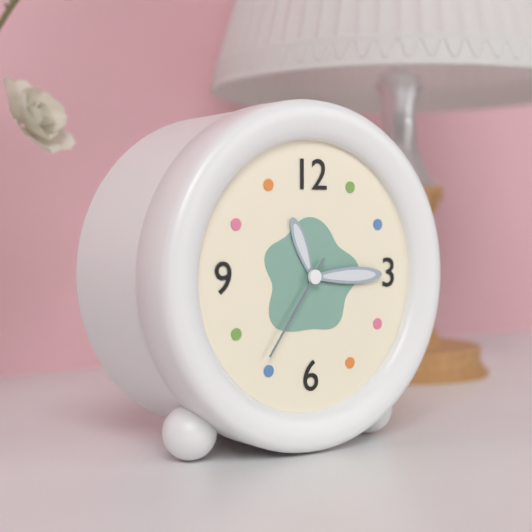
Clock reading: 11.15.36
